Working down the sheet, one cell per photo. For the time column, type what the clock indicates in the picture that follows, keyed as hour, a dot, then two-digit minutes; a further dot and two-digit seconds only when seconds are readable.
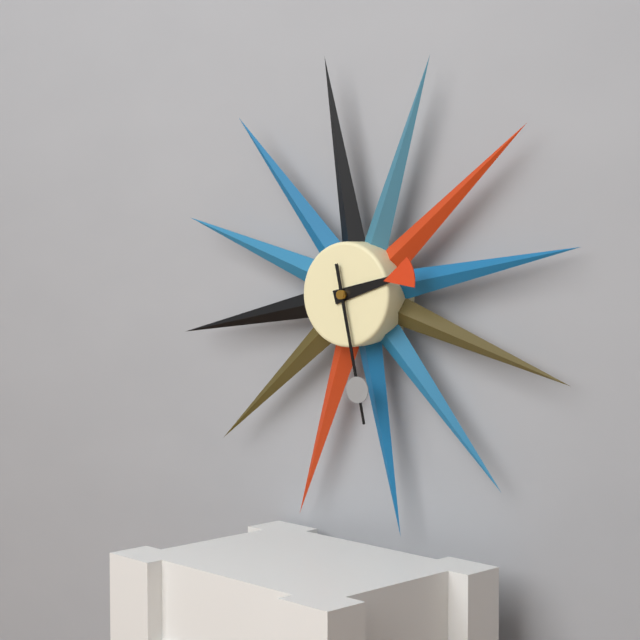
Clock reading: 2.28
